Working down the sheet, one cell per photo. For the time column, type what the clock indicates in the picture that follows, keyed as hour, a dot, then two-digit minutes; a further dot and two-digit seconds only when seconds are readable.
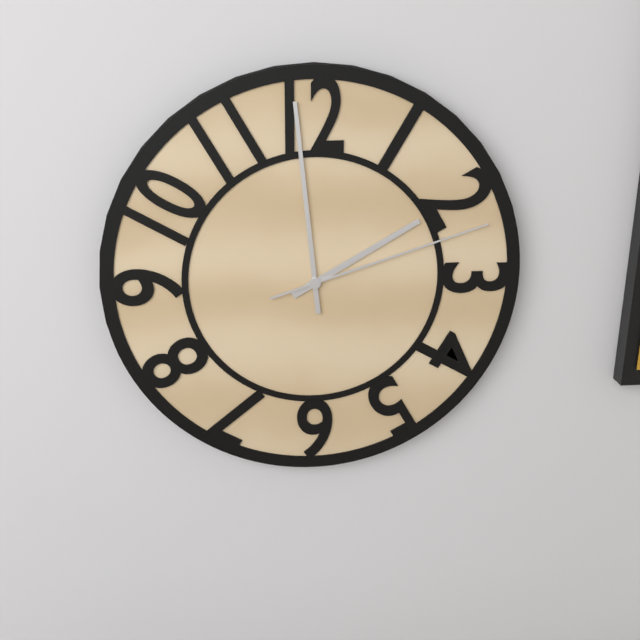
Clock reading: 1.59.12
